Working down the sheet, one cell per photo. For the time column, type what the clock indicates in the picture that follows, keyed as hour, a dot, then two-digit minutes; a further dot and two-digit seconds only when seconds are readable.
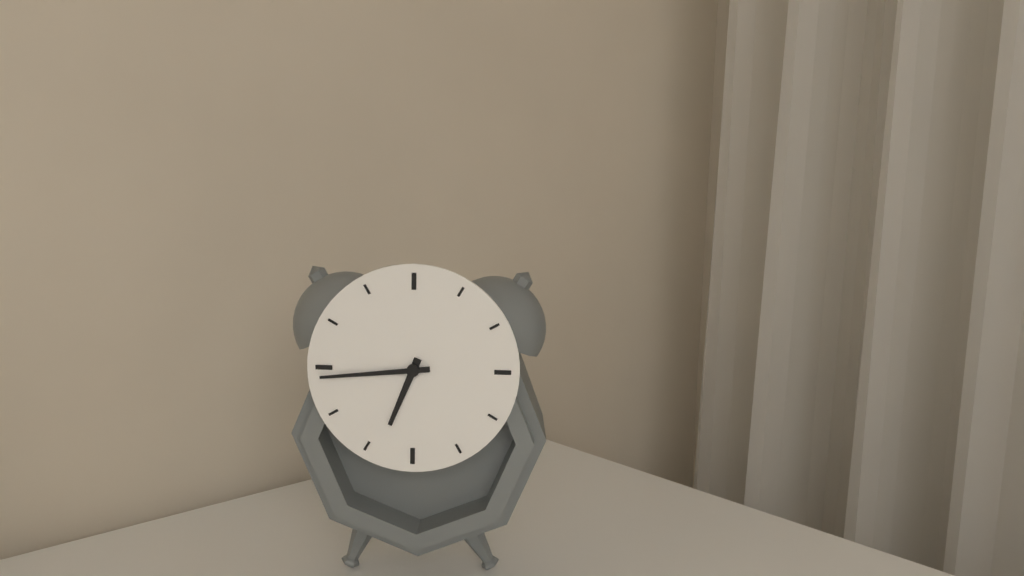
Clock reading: 6.44
